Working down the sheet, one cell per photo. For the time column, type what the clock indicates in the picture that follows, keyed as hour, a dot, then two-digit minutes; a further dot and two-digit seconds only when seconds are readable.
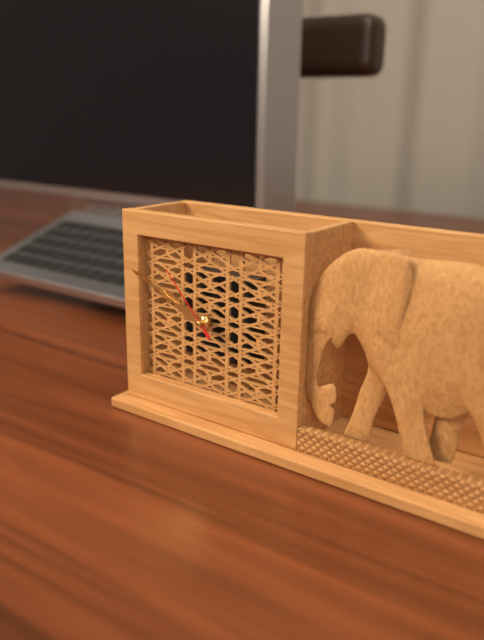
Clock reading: 9.49.53
